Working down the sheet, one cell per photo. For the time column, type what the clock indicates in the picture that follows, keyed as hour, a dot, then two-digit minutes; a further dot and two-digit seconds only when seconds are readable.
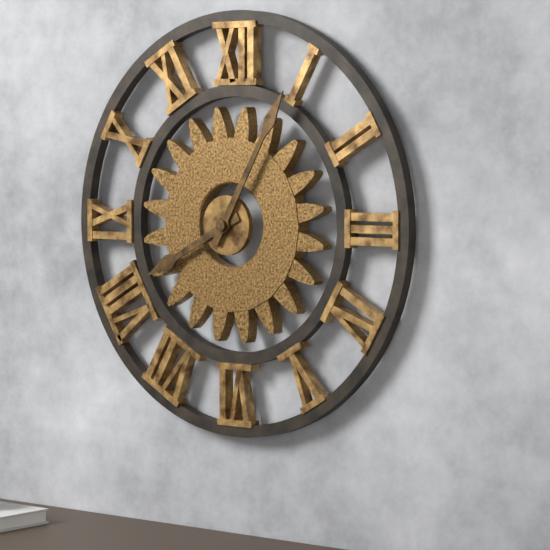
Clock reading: 8.05
